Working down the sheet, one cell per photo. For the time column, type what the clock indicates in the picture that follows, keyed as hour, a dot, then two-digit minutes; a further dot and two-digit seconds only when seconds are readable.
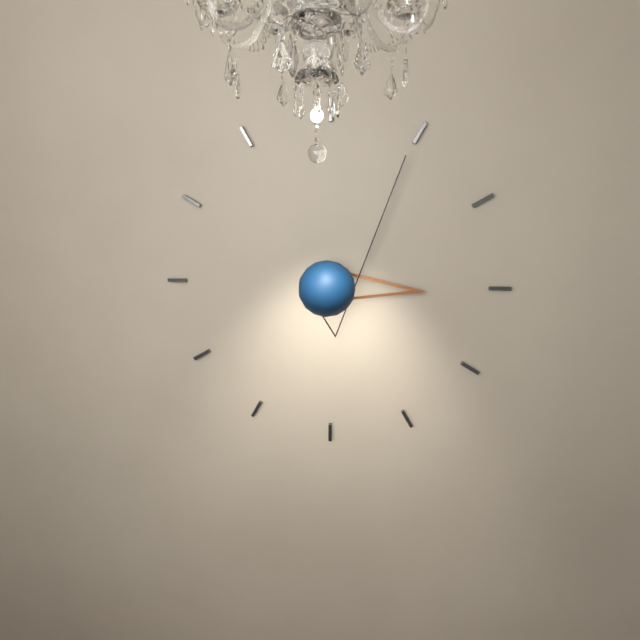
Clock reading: 3.05
